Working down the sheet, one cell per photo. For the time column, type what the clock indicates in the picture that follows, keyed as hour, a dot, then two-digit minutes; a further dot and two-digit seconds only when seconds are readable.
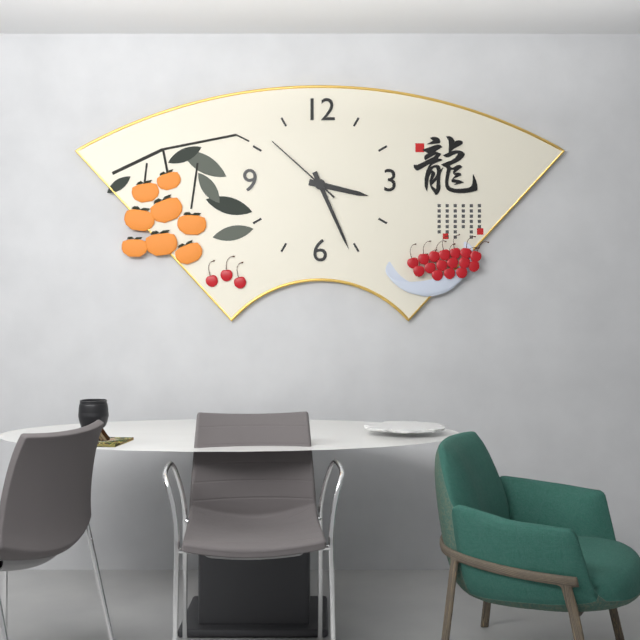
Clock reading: 3.26.52
